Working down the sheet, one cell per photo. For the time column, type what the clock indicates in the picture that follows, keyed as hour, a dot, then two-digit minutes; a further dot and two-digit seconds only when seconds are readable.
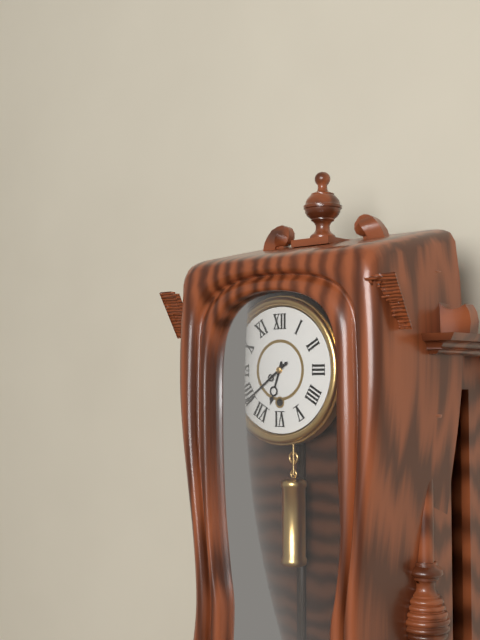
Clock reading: 6.39
